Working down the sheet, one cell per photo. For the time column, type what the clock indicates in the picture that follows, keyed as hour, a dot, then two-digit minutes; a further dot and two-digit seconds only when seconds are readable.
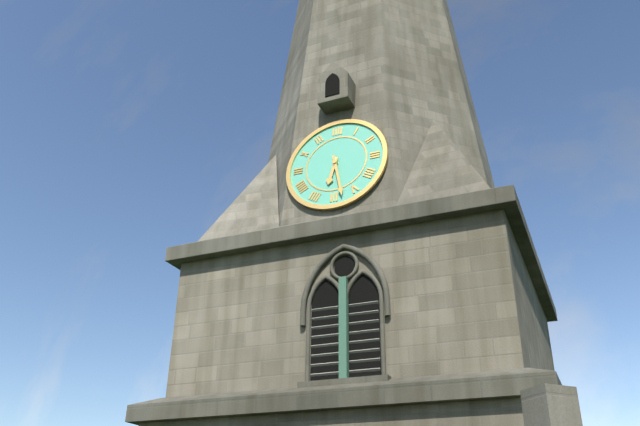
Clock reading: 6.28
